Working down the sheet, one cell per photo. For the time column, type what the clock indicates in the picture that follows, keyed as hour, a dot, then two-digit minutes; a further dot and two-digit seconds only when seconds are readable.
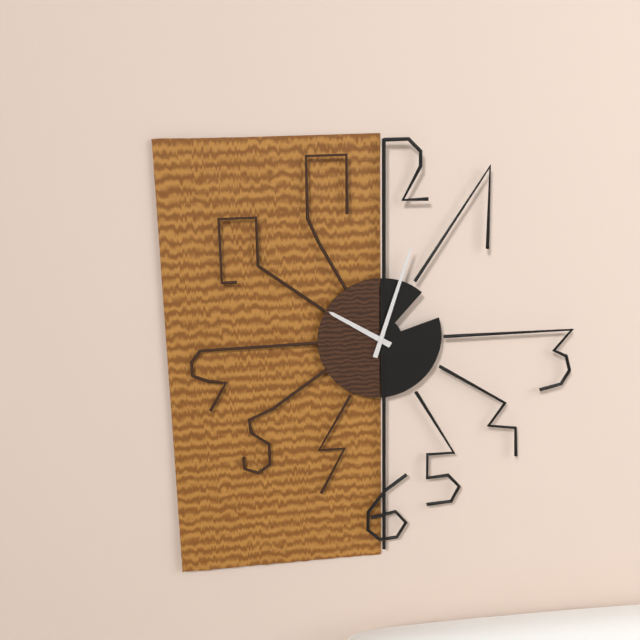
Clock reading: 10.03
